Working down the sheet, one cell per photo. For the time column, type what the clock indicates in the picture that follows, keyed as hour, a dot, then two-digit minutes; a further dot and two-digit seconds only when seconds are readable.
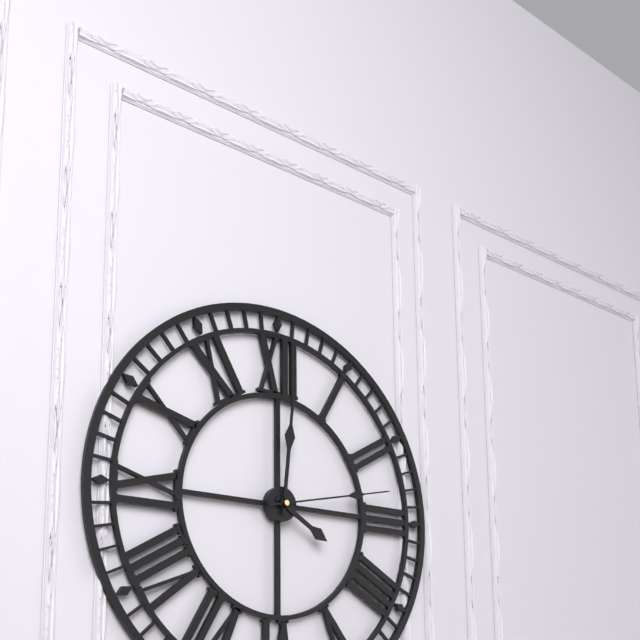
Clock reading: 4.01.13
